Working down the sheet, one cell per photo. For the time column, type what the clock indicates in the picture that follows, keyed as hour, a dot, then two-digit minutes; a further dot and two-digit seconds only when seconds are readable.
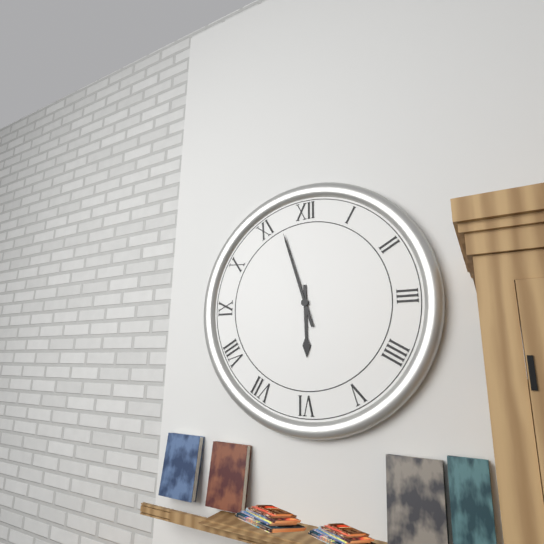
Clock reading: 5.57
